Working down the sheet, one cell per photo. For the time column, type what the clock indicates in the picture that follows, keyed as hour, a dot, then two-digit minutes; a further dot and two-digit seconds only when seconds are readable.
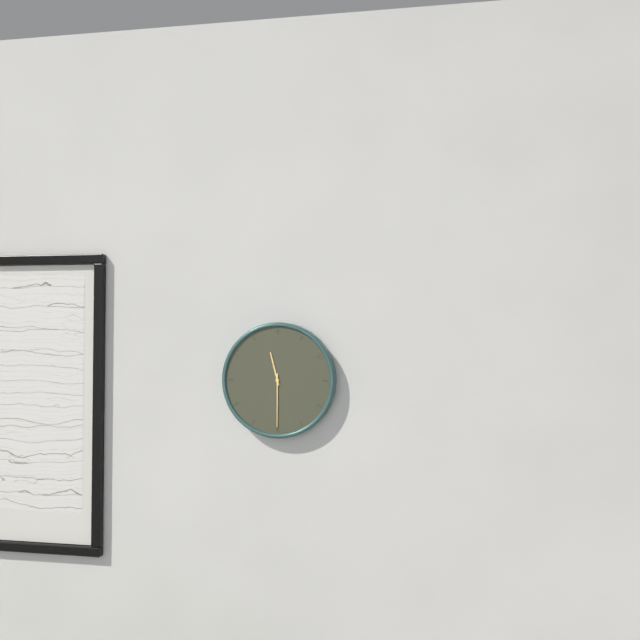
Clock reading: 11.30
